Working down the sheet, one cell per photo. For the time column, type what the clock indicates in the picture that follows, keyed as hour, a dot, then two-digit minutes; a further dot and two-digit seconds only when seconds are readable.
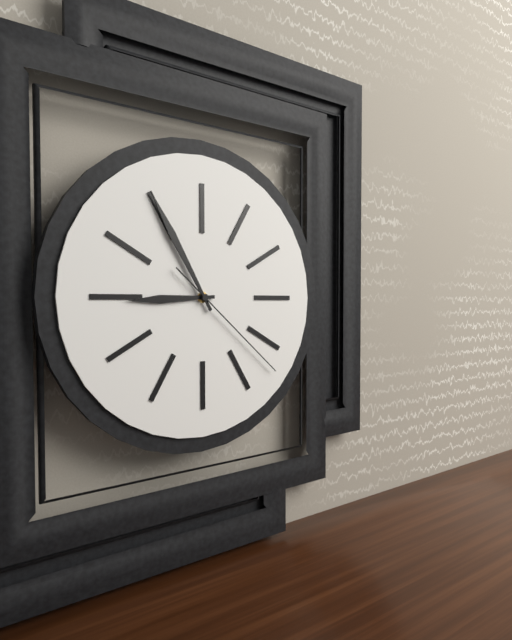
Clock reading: 8.55.22
